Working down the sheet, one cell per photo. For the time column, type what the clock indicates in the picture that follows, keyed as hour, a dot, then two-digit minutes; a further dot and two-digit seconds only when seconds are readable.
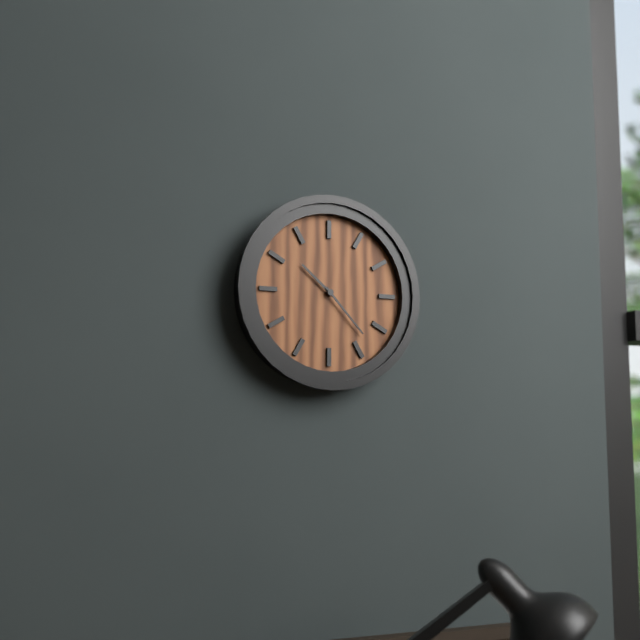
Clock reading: 10.23
